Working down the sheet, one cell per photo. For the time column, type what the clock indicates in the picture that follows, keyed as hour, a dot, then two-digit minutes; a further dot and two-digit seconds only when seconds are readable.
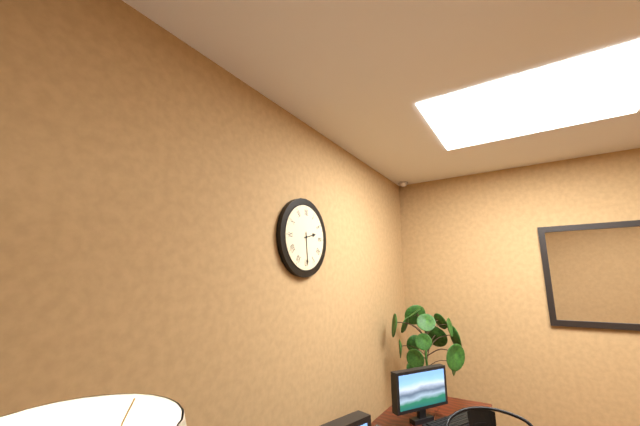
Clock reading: 2.29
